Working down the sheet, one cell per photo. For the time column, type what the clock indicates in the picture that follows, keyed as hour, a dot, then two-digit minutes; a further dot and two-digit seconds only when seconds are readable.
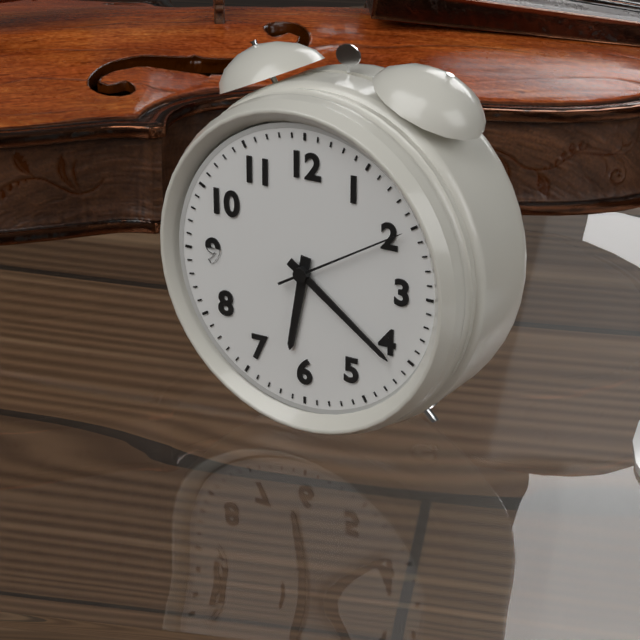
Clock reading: 6.21.10
